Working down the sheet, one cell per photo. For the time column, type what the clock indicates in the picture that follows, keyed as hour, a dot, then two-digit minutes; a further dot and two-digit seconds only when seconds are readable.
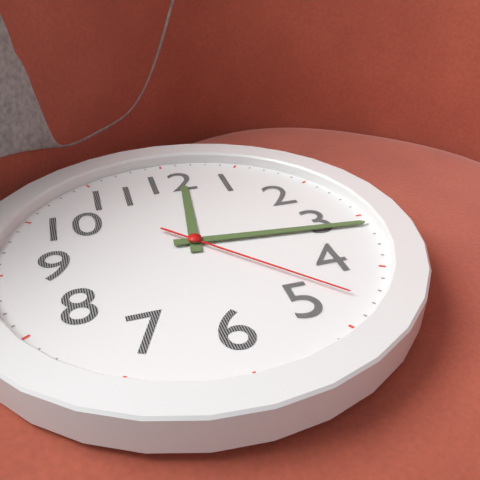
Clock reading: 12.16.23
